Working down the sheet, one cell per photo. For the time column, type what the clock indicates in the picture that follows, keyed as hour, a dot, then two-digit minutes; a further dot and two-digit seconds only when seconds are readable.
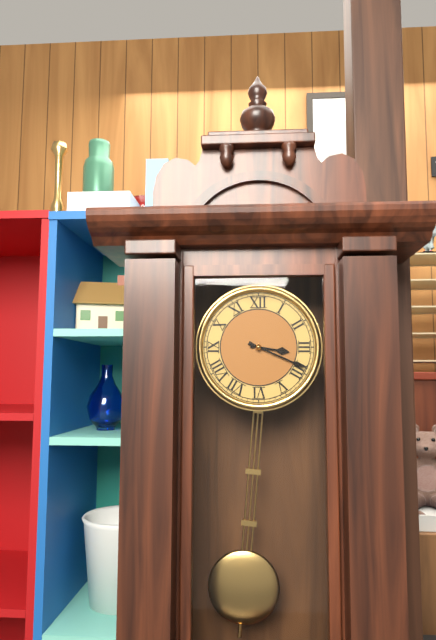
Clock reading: 3.19
